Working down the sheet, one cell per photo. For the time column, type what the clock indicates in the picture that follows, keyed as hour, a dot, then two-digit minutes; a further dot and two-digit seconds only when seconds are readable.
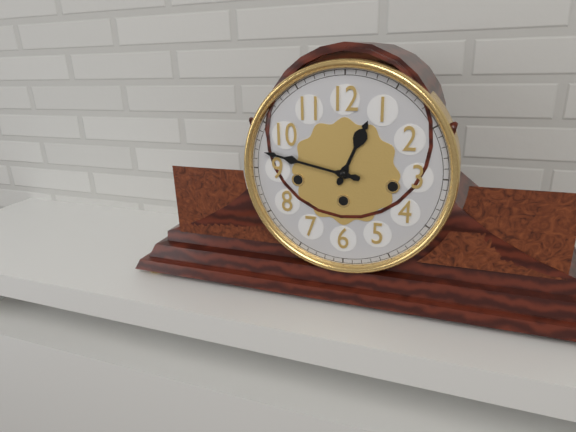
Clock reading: 12.47
